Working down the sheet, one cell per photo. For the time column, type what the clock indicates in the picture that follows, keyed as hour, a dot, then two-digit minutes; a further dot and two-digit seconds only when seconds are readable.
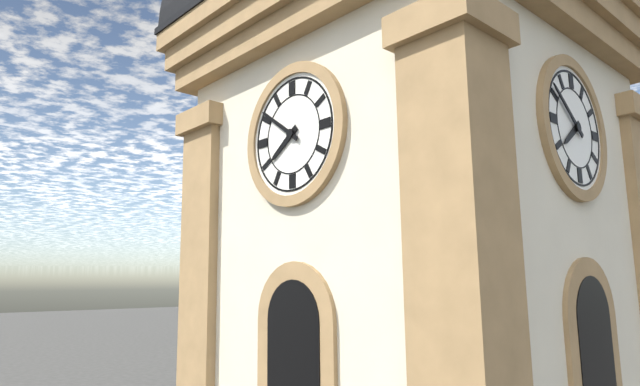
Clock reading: 7.51
